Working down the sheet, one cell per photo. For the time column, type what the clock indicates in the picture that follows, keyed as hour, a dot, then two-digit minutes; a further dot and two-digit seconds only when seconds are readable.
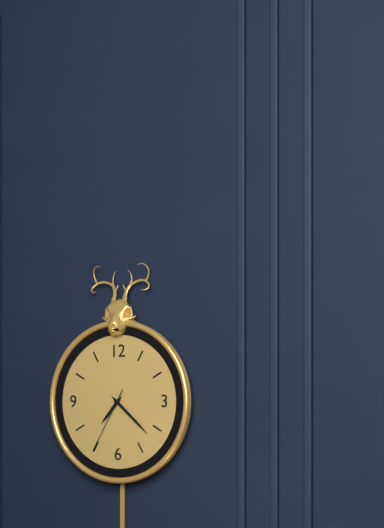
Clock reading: 7.22.35
